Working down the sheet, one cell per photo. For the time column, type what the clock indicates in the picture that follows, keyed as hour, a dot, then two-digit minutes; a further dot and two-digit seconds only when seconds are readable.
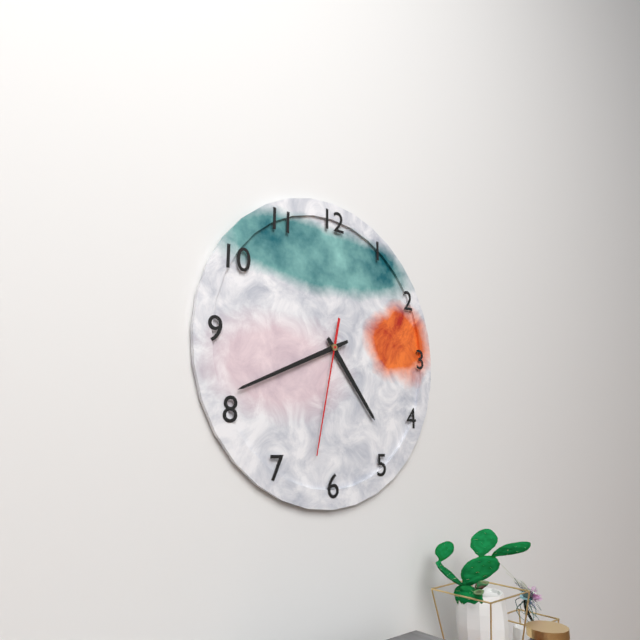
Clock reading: 4.41.32
